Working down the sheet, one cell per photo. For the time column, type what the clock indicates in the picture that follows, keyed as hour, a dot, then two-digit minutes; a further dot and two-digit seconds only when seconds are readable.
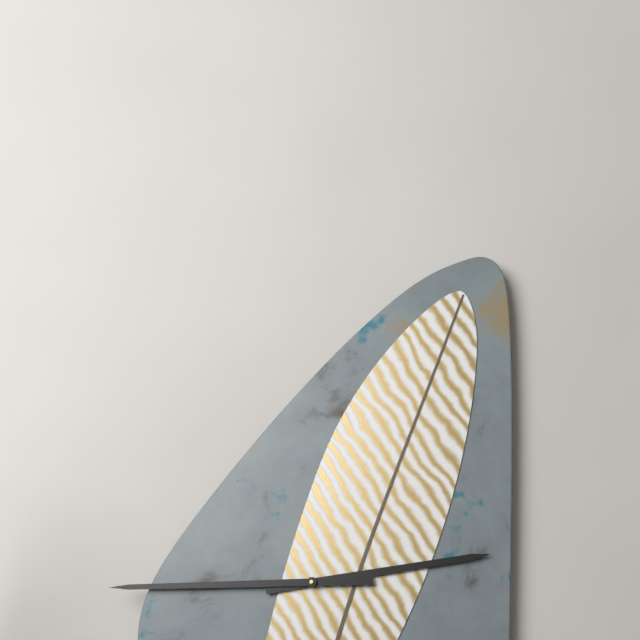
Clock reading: 2.45
